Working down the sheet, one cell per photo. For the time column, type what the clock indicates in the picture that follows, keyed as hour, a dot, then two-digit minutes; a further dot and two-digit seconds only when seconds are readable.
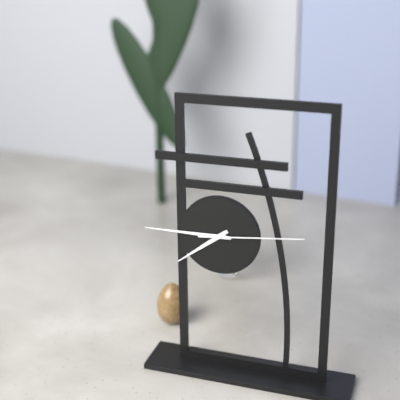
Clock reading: 7.45.14
